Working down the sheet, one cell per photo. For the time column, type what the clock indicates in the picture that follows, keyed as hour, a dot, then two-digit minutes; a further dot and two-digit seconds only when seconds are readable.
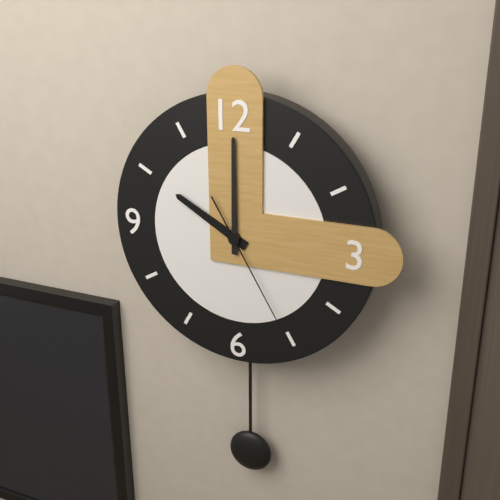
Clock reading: 10.00.25
